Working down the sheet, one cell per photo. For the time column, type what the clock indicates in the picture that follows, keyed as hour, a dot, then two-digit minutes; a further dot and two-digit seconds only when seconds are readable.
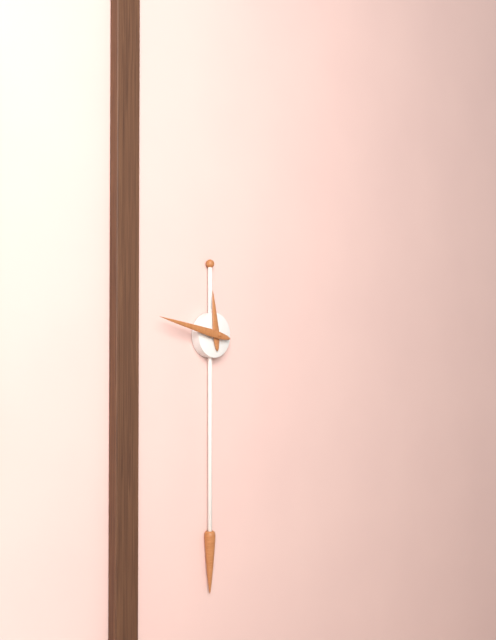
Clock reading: 11.47
